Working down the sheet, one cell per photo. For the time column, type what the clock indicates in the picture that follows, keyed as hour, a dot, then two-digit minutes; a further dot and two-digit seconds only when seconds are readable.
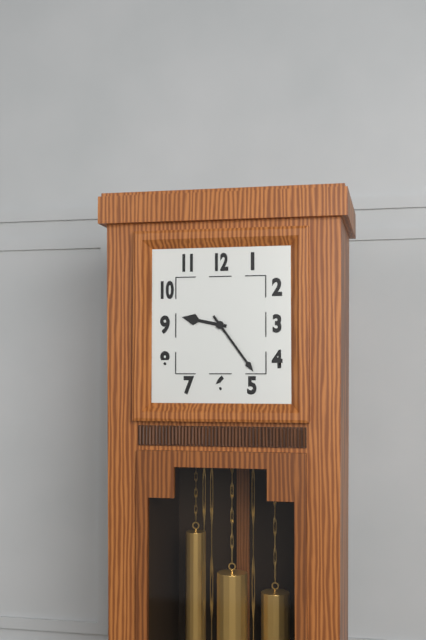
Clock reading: 9.24
